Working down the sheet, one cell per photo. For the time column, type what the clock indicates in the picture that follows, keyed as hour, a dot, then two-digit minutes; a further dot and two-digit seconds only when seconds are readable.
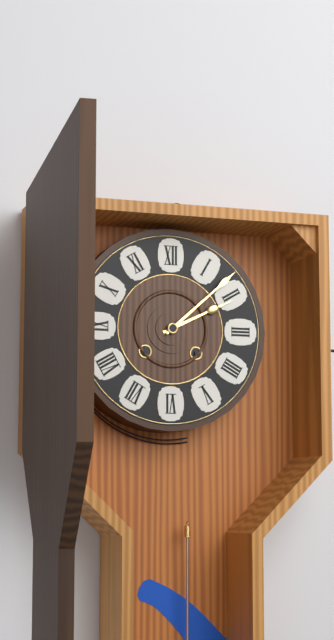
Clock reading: 2.08
